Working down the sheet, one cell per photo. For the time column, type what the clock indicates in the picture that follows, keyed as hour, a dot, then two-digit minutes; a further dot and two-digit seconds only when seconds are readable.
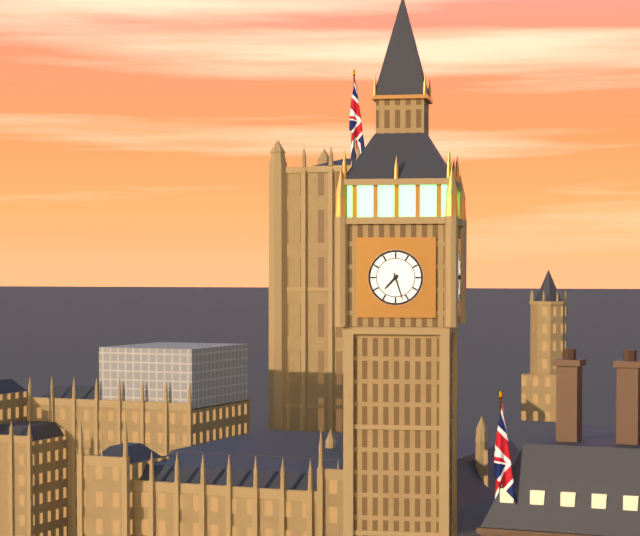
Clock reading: 7.27
